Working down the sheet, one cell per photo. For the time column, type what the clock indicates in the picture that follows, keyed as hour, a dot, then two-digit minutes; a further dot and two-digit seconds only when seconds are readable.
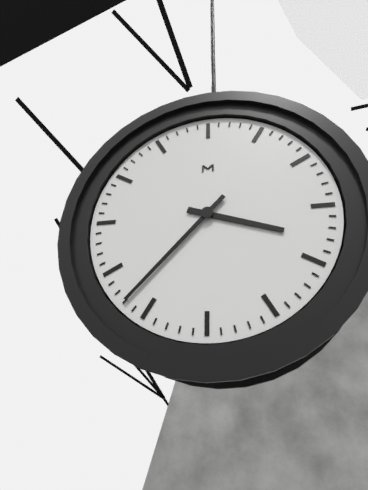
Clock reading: 3.37
